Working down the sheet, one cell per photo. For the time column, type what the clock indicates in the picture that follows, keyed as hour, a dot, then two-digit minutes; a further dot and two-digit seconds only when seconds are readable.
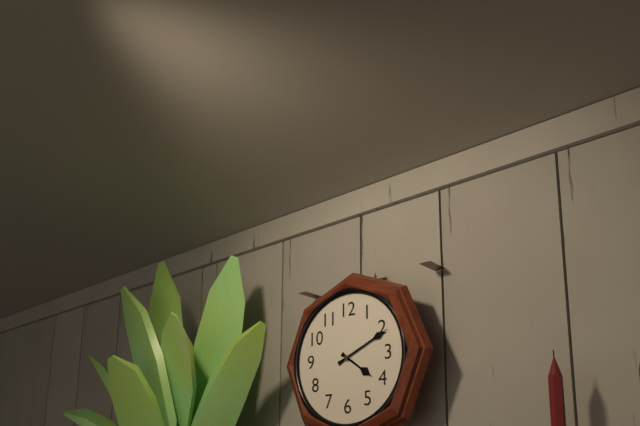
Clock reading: 4.11
